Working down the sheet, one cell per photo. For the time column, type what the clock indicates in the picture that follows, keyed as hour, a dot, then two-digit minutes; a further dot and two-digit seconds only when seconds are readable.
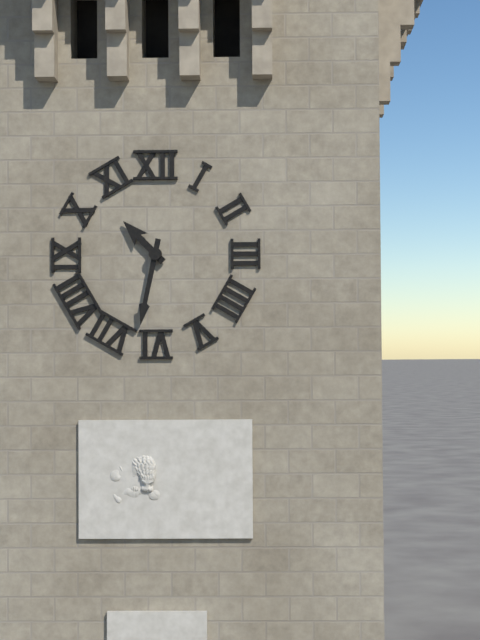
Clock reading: 10.32
